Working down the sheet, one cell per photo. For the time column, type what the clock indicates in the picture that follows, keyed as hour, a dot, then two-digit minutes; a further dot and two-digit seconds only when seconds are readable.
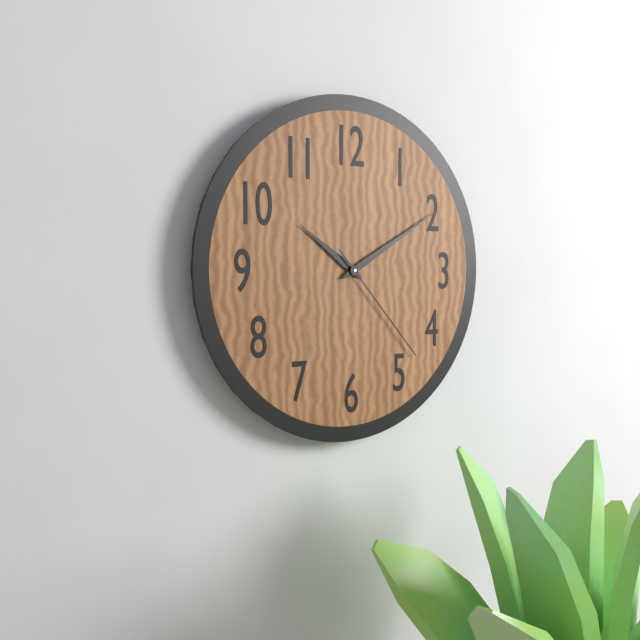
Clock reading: 10.10.23
